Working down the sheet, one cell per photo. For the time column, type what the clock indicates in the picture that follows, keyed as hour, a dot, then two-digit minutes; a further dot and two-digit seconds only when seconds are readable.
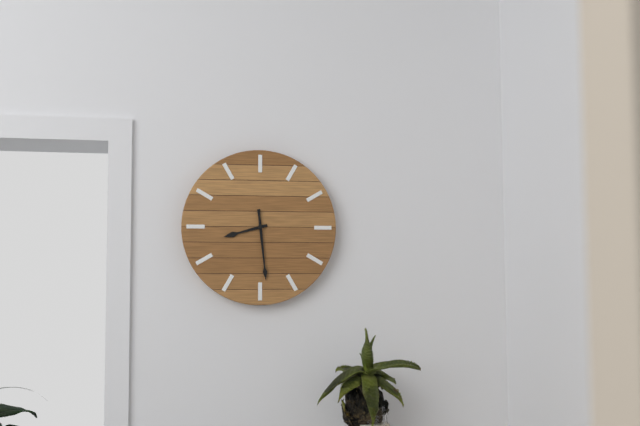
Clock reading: 8.29
